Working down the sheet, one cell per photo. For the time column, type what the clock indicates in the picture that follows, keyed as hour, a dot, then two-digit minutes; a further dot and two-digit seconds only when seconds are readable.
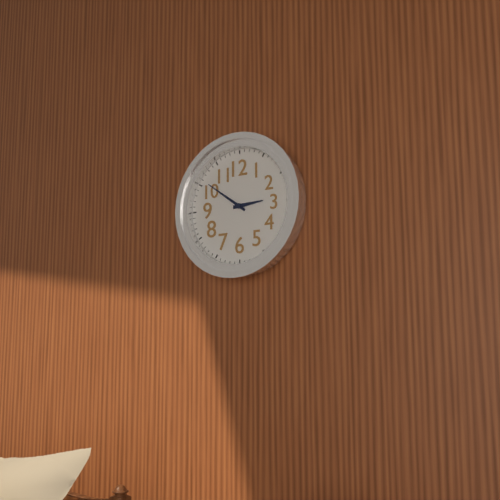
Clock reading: 2.51
